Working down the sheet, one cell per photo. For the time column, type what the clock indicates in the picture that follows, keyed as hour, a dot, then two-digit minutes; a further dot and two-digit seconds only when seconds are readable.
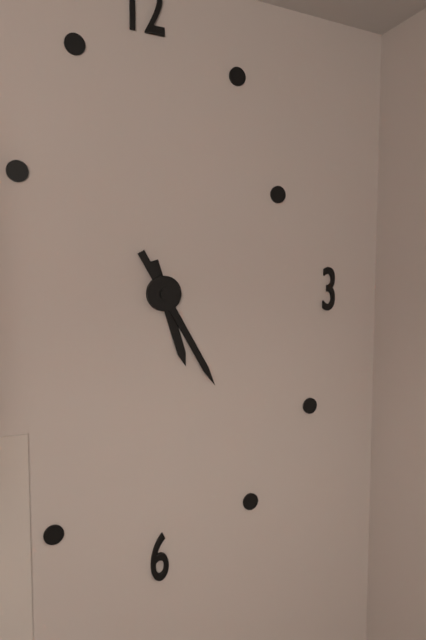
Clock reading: 5.25
